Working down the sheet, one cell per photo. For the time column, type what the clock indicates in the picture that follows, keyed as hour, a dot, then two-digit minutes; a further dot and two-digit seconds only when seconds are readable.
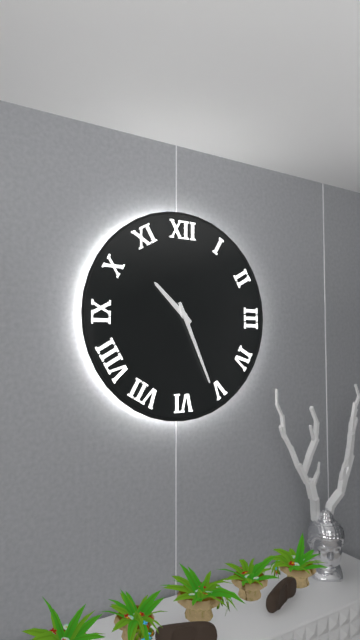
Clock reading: 10.26
